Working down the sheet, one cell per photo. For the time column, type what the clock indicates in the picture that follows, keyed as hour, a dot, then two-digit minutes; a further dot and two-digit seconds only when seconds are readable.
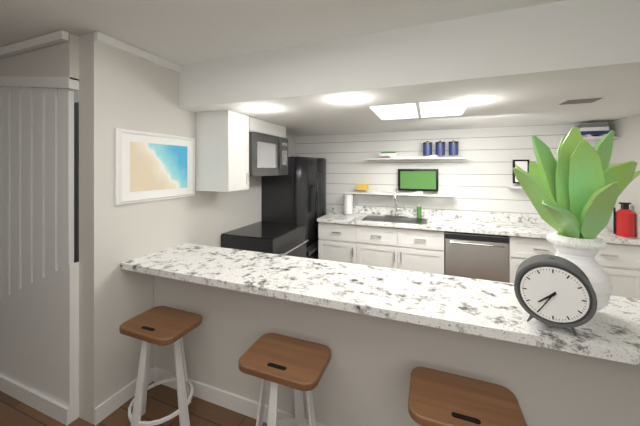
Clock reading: 7.35
